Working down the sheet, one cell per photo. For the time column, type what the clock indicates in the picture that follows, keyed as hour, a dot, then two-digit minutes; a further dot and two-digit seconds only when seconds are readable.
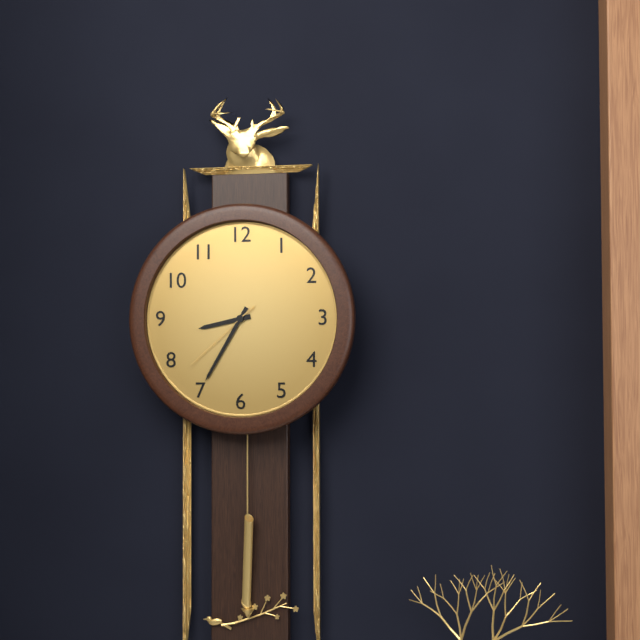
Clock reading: 8.35.38
